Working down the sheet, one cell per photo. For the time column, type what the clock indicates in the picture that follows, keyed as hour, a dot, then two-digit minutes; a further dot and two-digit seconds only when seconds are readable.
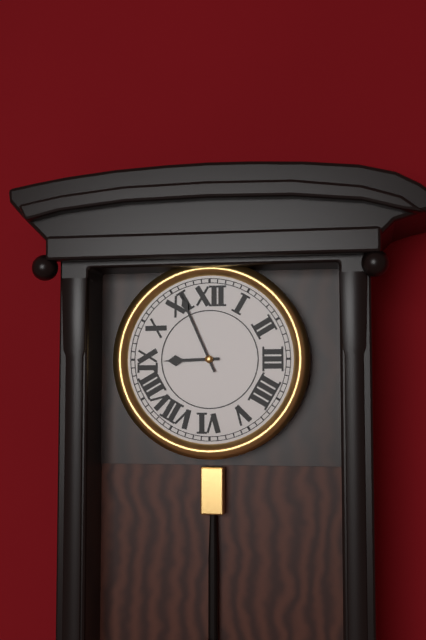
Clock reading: 8.56
